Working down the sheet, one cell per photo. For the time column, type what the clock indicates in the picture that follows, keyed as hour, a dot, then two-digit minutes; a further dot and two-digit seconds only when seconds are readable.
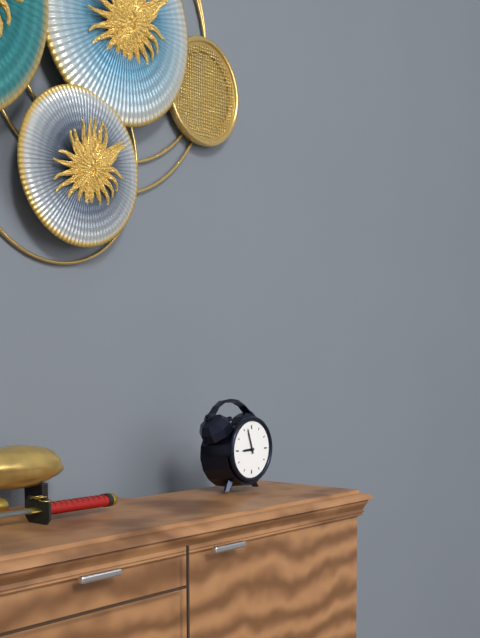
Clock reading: 8.57
